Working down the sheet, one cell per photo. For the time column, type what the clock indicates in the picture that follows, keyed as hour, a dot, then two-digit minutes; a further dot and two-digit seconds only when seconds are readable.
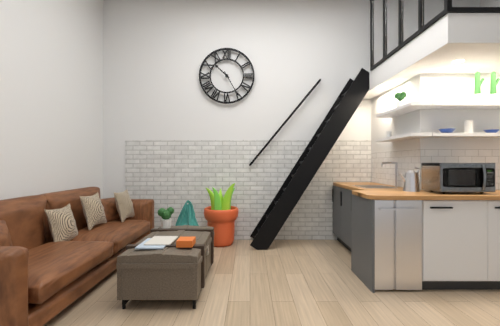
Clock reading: 10.25
